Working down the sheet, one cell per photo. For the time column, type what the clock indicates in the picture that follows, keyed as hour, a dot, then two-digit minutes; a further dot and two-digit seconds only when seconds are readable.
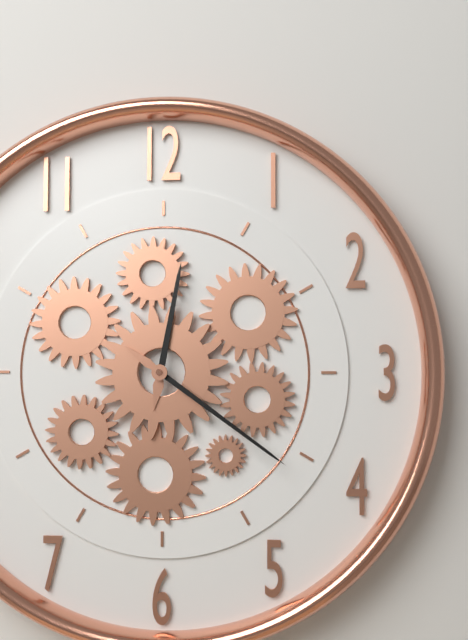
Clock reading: 12.21
